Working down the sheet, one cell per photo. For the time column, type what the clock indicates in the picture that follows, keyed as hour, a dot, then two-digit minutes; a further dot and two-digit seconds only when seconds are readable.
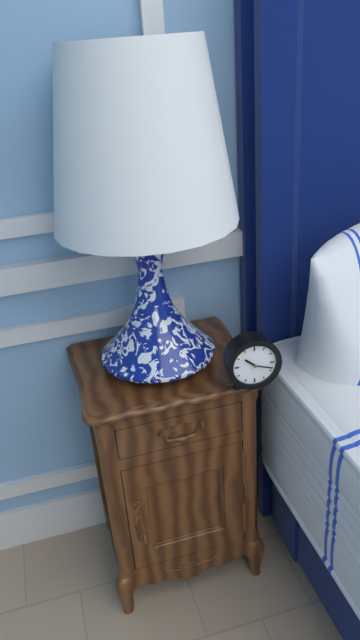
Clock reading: 10.18
